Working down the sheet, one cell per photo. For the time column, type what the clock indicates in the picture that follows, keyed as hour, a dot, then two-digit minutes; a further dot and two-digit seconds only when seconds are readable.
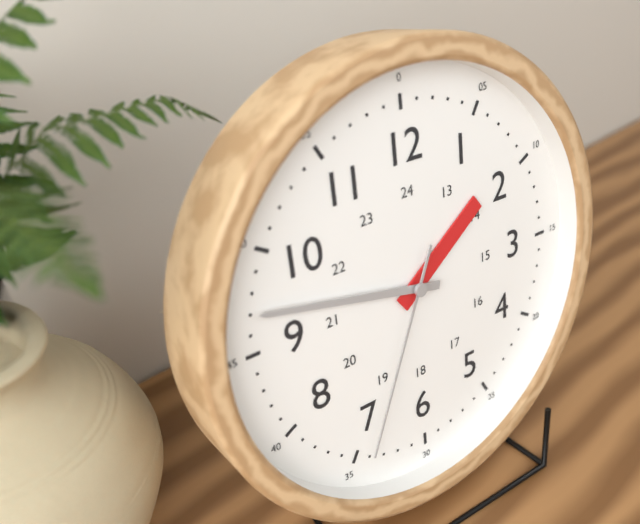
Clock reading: 1.47.34
